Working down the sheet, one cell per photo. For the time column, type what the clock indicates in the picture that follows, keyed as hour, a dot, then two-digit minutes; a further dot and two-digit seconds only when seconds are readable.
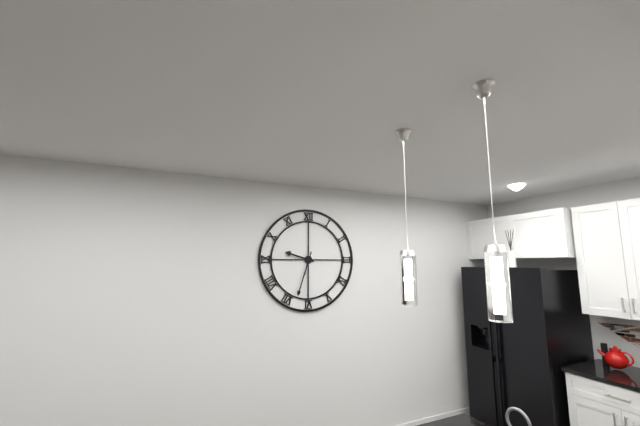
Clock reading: 9.33
